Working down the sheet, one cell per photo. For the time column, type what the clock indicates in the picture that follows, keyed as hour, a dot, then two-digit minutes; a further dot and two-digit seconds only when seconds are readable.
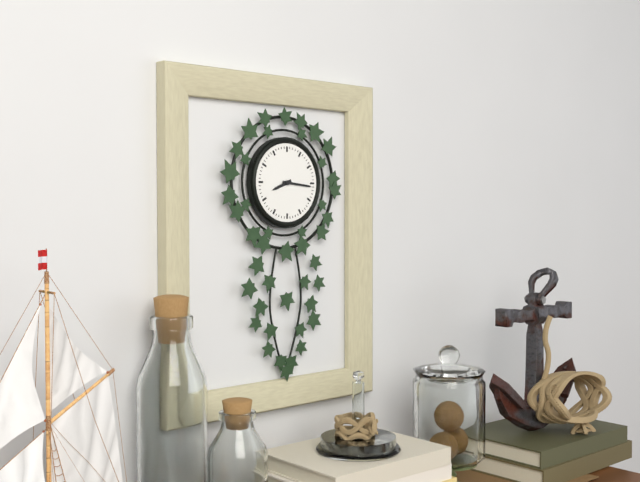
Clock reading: 8.16
